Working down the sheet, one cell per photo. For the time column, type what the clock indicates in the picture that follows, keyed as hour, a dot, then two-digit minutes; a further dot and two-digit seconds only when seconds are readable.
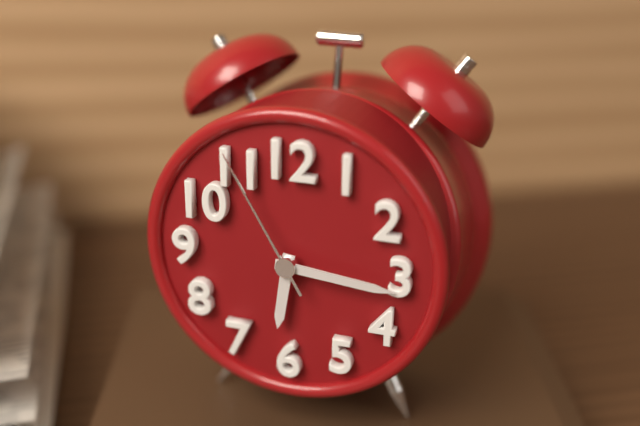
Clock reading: 6.16.55
